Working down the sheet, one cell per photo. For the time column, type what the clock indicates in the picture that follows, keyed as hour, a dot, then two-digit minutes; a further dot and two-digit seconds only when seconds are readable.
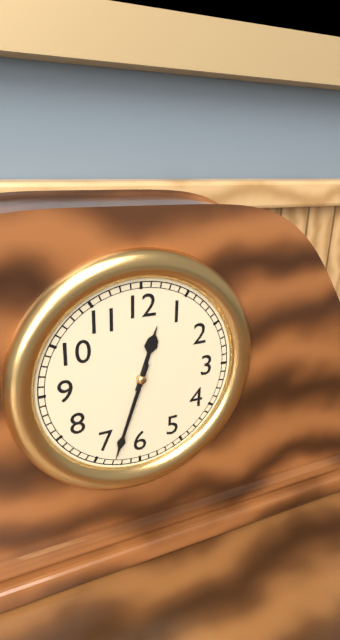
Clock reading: 12.33
